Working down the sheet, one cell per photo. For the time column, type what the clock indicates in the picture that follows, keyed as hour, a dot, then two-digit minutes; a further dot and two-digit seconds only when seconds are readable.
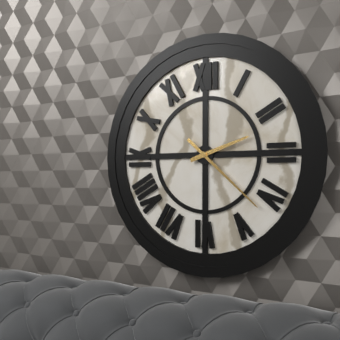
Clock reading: 2.22
